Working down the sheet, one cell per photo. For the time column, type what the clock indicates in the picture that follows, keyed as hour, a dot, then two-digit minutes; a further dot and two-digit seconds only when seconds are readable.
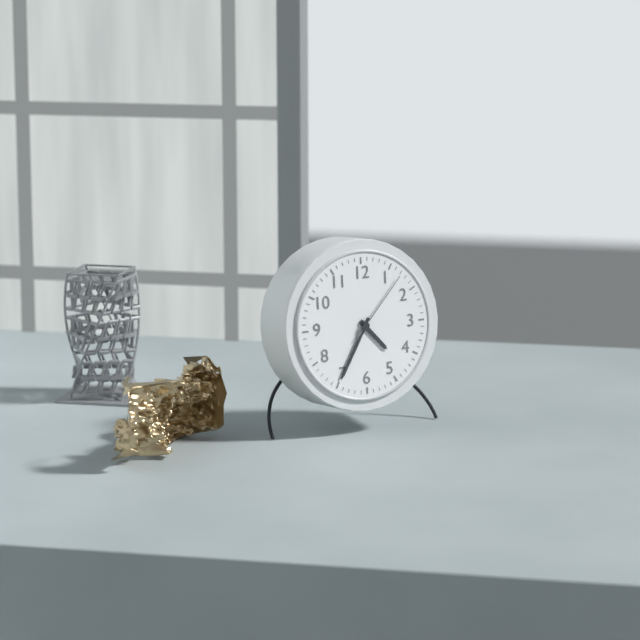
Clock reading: 4.35.07
